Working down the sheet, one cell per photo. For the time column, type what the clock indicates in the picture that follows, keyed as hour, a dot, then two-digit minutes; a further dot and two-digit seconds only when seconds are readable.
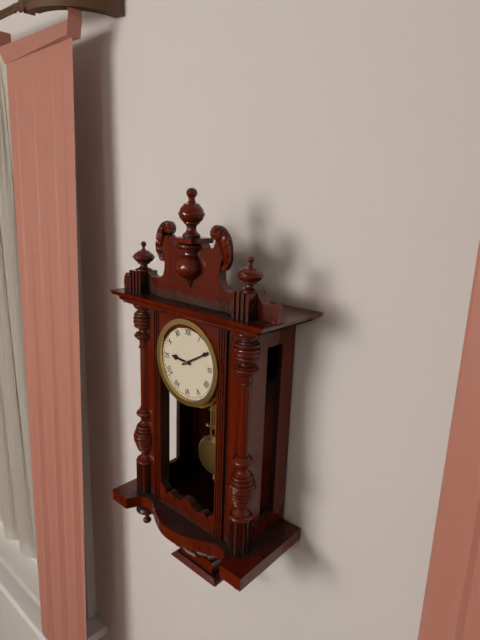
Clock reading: 9.10
